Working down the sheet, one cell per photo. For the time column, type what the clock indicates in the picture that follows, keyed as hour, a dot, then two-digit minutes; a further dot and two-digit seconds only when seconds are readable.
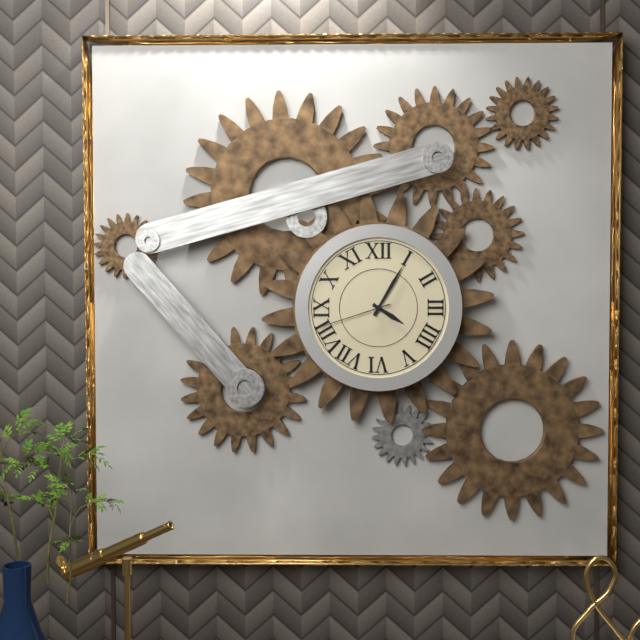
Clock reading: 4.05.42
